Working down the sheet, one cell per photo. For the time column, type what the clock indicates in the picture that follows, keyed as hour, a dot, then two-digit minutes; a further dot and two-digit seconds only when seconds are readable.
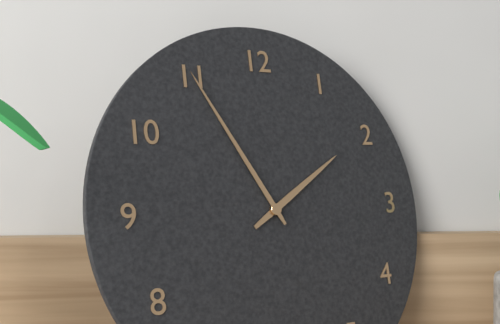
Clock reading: 1.55
